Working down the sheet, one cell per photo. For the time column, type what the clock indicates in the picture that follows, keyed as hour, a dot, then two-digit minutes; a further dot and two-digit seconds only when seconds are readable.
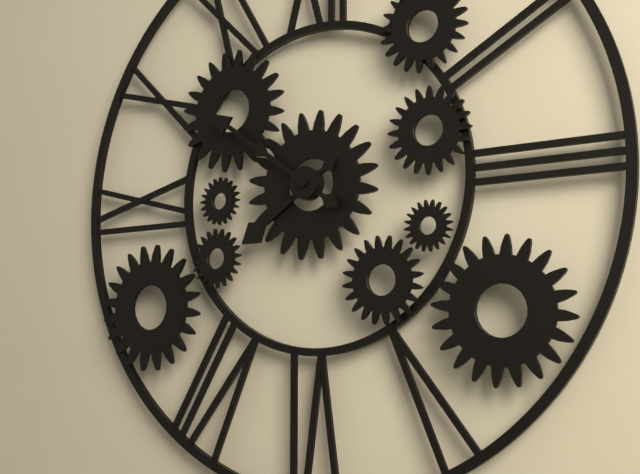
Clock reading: 7.51
